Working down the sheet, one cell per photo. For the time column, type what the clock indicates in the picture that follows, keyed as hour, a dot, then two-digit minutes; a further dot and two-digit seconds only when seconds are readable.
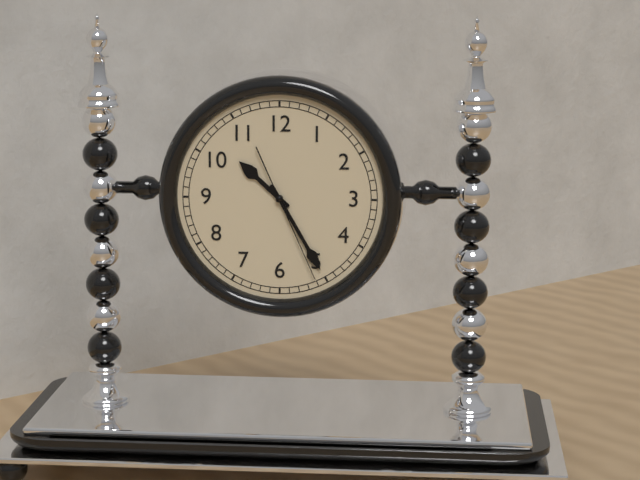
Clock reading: 10.25.26
